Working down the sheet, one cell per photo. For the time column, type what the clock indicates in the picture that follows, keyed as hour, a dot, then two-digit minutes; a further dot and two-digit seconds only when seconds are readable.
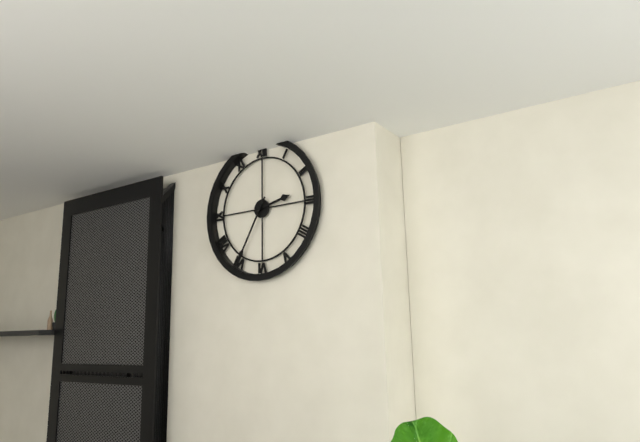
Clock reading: 2.35
